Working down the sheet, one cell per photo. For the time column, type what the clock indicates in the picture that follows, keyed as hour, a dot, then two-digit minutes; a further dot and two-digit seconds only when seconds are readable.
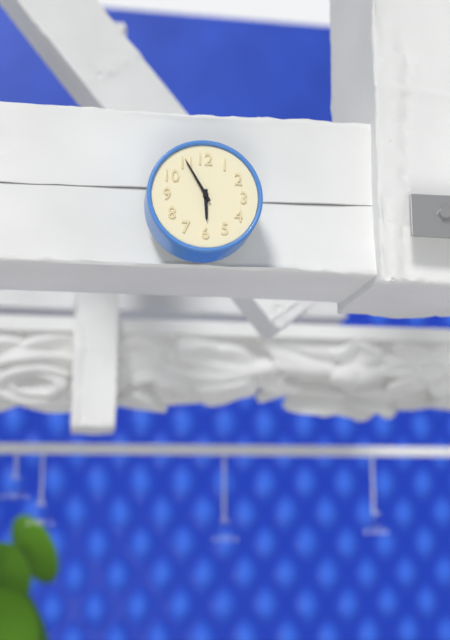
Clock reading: 5.55
